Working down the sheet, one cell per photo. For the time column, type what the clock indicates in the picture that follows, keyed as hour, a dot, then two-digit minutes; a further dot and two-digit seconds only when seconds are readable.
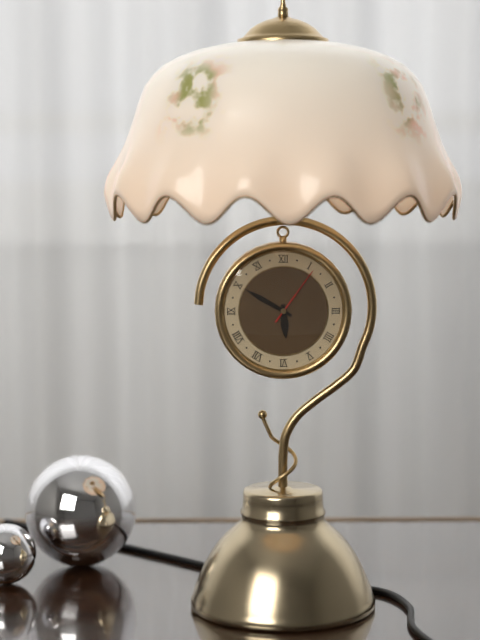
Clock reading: 5.50.06
